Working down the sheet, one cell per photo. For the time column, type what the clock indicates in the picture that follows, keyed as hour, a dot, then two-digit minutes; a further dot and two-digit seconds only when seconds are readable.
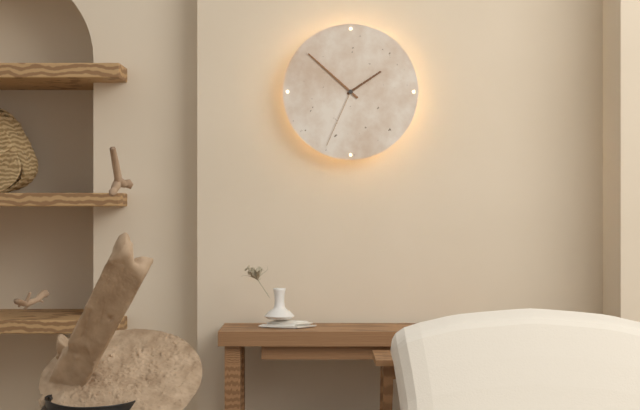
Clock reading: 1.52.34
